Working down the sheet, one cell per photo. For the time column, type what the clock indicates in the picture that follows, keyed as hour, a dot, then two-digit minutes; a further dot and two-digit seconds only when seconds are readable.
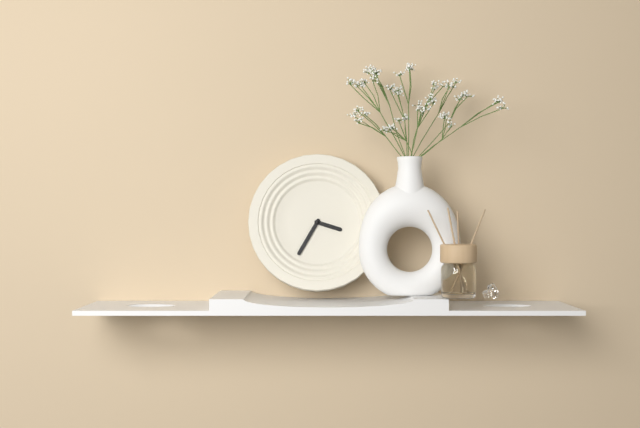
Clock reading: 3.35
